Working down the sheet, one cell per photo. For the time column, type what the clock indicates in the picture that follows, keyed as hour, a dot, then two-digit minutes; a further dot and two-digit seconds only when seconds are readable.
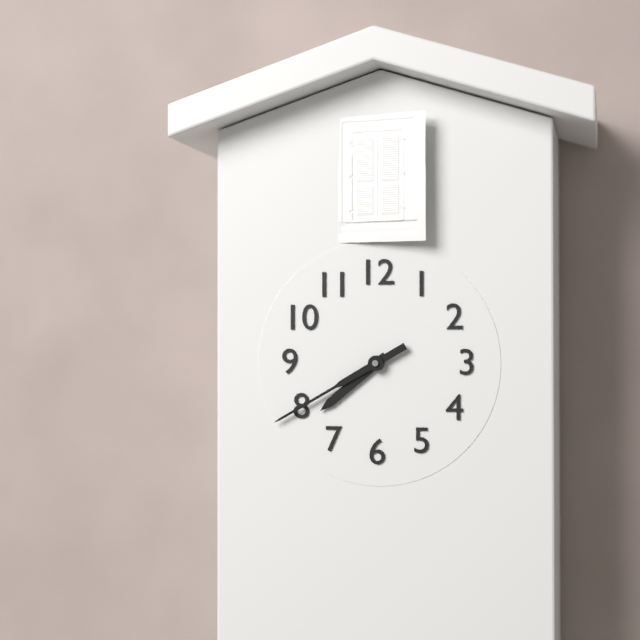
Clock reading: 7.40
